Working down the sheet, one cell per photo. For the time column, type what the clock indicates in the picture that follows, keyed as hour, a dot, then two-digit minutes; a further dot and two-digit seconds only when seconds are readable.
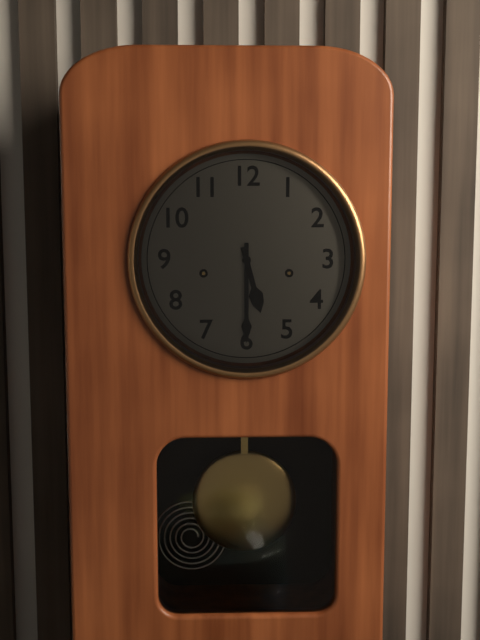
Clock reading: 5.30
